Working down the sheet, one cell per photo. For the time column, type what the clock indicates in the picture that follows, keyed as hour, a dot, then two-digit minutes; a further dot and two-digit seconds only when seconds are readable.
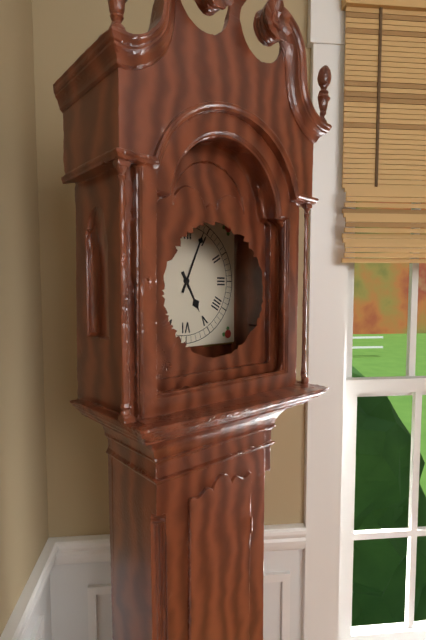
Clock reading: 5.04
